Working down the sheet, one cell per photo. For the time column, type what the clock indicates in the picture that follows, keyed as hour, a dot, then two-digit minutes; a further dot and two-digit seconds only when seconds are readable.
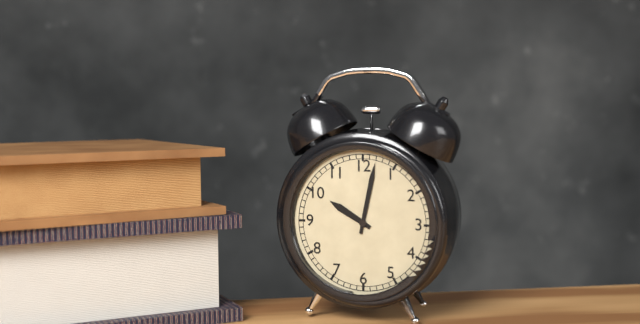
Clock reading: 10.02
